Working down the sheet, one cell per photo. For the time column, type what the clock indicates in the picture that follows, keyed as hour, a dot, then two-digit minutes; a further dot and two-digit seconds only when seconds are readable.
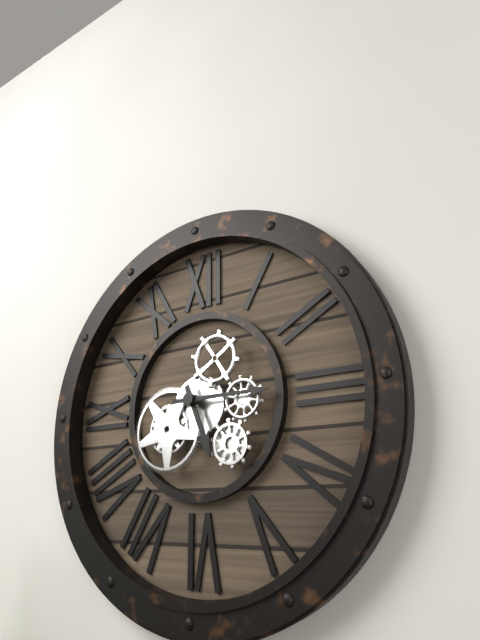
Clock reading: 5.15
